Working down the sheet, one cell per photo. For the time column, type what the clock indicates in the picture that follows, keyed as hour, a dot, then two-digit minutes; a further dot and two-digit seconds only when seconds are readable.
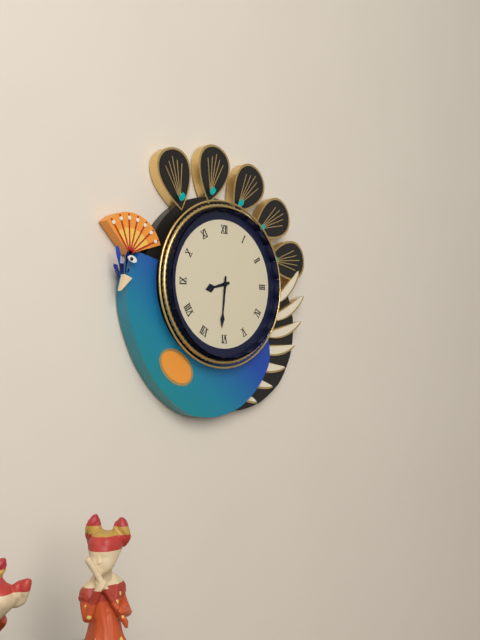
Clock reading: 8.31
